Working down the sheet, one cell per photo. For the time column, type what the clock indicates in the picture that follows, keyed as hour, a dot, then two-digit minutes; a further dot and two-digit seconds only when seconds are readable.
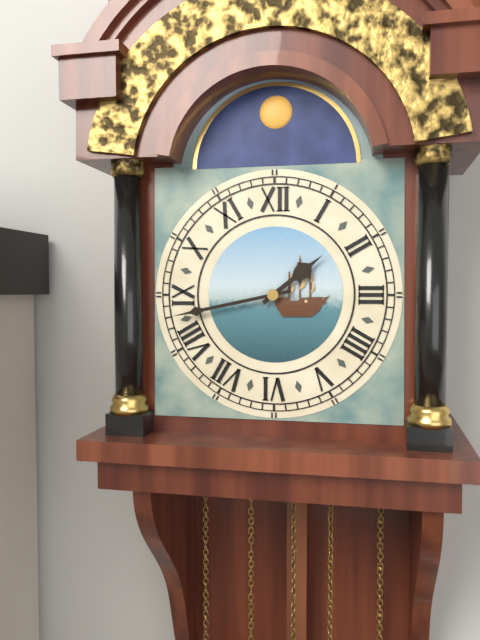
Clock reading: 1.43
